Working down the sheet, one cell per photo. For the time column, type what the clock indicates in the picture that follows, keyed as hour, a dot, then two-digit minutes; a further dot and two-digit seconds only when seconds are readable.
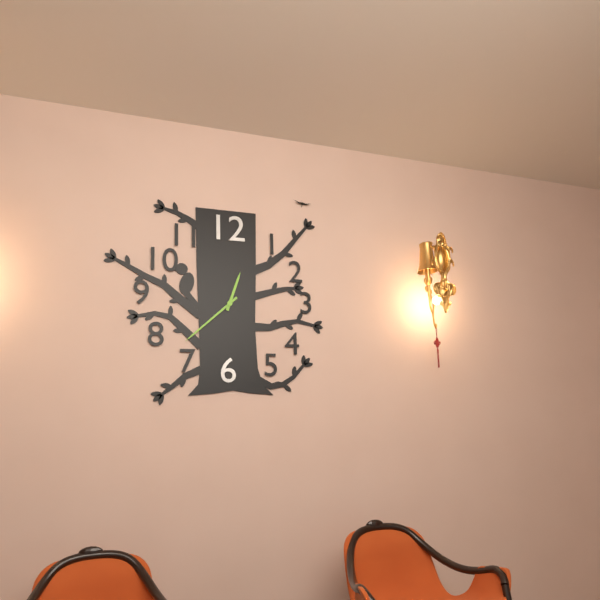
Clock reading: 12.38
